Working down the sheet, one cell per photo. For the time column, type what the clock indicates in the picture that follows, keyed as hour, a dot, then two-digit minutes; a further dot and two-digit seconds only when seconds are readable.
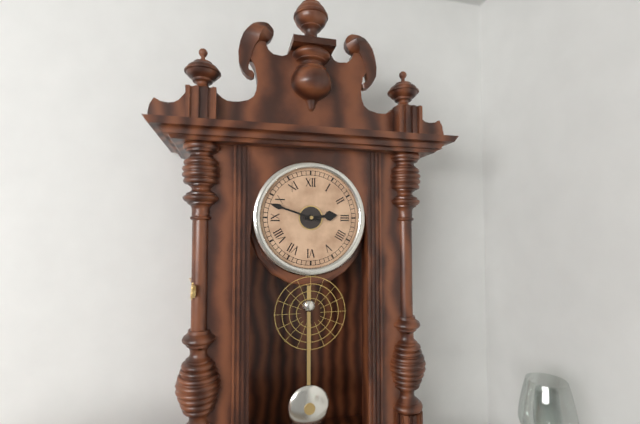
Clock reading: 2.48
